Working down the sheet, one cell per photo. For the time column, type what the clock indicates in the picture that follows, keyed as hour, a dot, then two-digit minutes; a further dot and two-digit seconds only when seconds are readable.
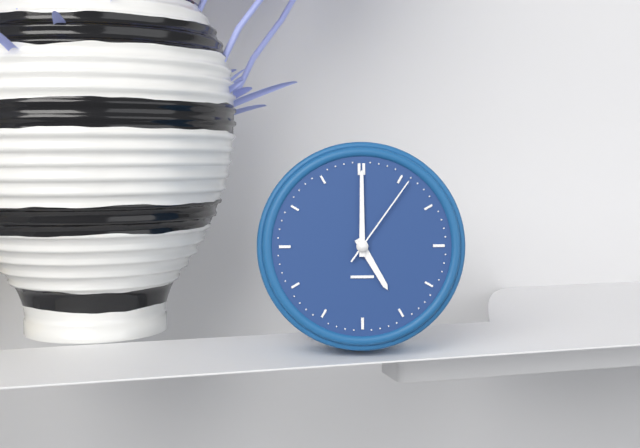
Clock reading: 5.00.06
